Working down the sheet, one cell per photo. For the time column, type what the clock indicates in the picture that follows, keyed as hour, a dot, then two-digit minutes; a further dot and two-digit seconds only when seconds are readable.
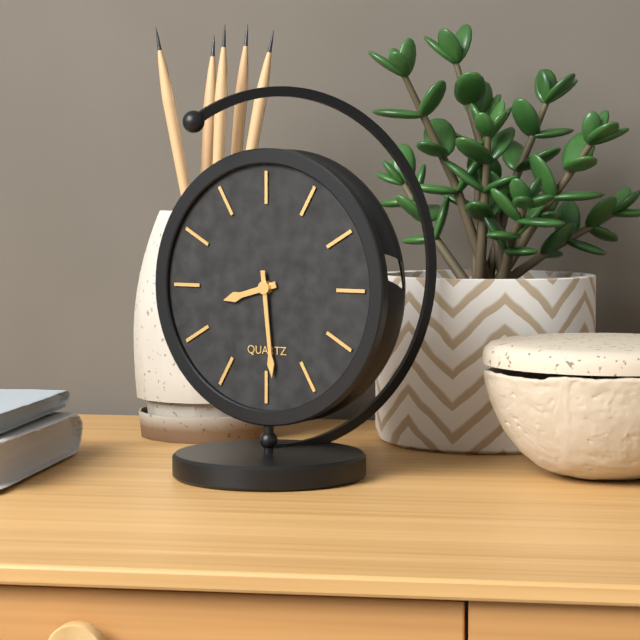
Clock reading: 8.29
